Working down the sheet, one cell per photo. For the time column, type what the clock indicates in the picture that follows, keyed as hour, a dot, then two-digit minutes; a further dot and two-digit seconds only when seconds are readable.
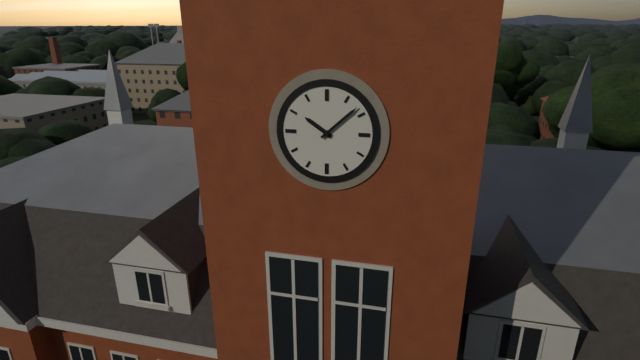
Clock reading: 10.08
